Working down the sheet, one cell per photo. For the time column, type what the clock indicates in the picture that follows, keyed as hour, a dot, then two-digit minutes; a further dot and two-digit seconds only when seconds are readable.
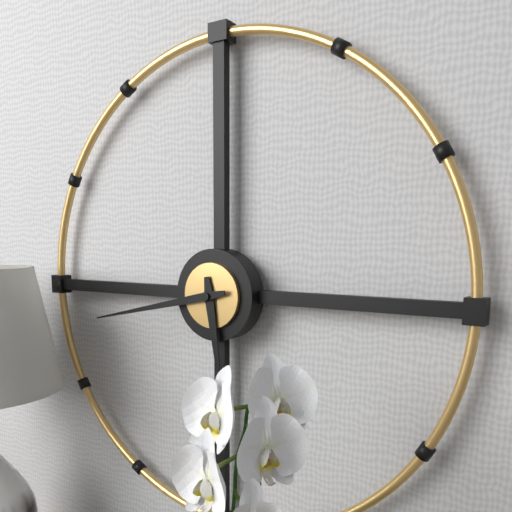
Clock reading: 5.43
